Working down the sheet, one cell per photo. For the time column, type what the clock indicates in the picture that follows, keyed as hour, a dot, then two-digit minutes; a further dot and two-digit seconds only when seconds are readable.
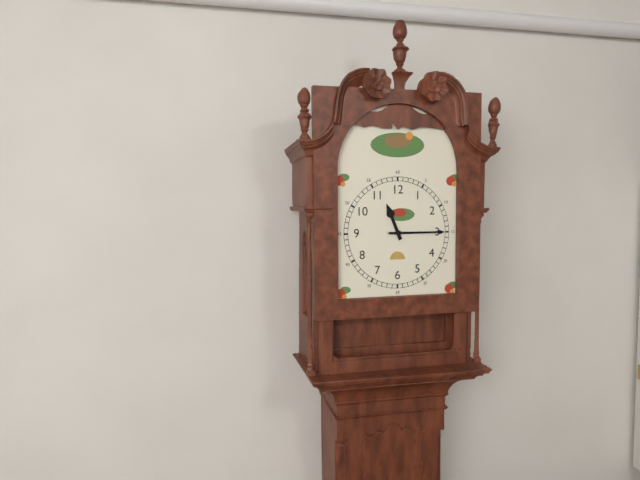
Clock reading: 11.15
